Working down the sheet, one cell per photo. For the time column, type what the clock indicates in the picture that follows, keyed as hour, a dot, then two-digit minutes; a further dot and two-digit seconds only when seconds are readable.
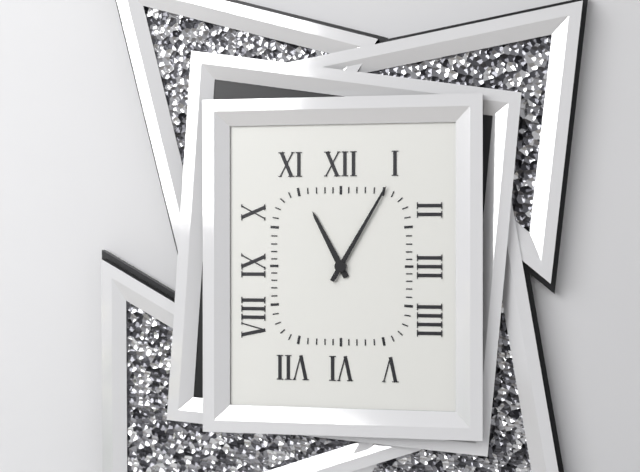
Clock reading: 11.05
